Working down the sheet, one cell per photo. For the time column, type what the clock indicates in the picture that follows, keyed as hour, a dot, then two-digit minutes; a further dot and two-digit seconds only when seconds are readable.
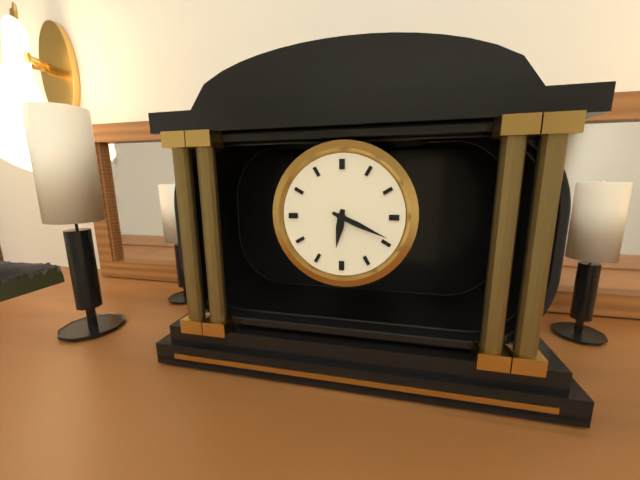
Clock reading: 6.19
